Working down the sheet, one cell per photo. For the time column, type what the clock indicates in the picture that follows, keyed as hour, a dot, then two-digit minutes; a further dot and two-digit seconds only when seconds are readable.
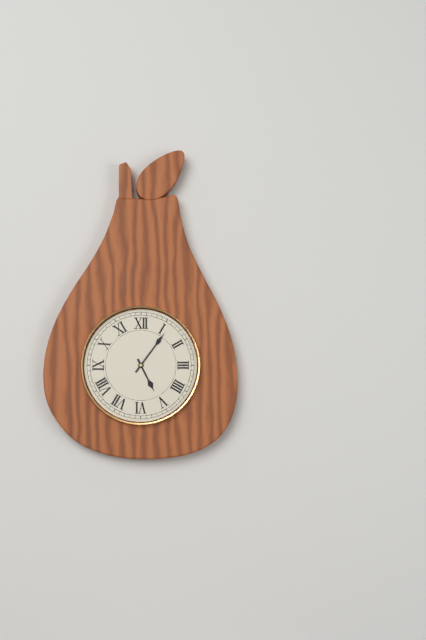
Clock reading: 5.06
